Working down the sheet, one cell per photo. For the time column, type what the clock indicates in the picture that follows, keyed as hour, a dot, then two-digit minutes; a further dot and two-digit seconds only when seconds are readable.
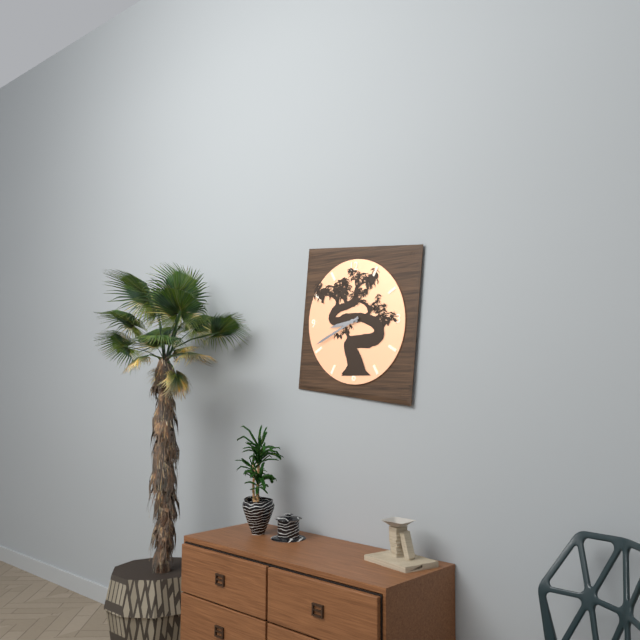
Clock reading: 8.41
